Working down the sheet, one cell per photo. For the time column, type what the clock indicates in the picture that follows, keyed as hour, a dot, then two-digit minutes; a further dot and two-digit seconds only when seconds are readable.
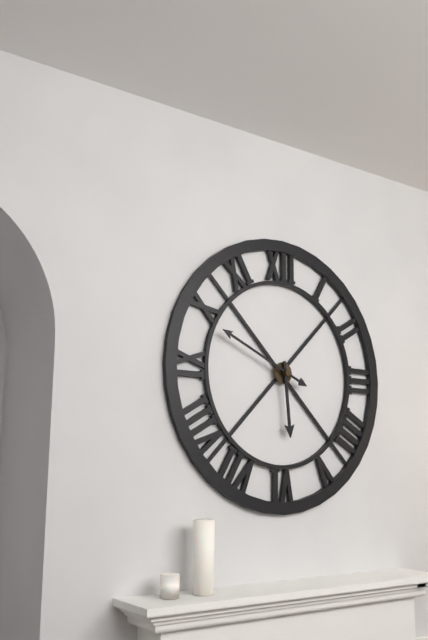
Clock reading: 5.49
